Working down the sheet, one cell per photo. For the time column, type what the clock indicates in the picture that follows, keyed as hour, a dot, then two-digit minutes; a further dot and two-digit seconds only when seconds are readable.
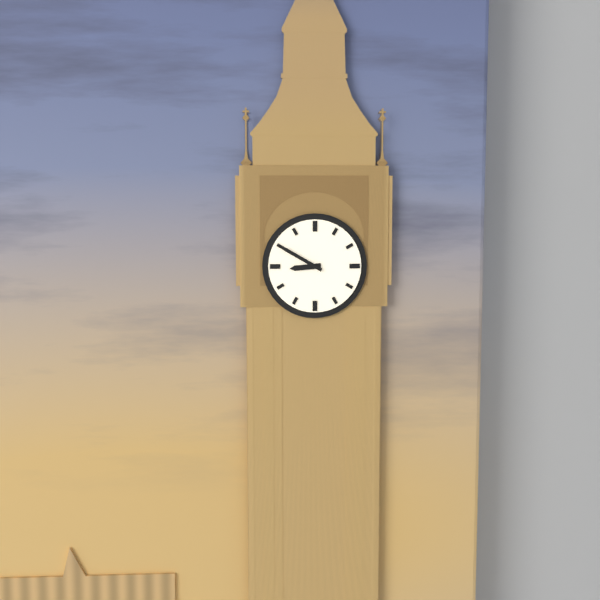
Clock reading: 8.50
